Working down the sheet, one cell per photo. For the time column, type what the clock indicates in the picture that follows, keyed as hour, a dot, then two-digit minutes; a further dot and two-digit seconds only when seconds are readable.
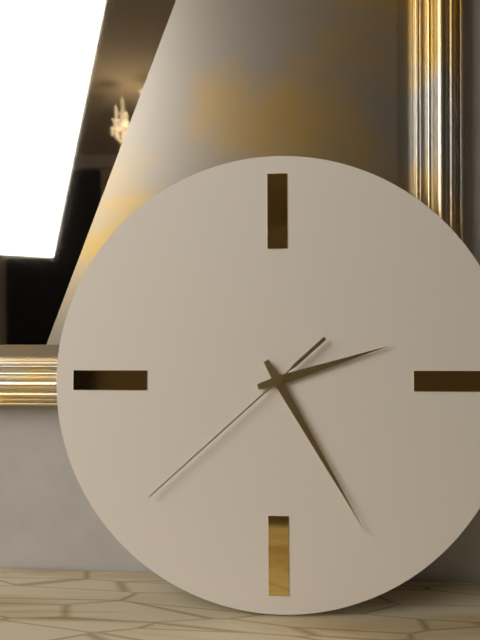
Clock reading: 2.25.38
